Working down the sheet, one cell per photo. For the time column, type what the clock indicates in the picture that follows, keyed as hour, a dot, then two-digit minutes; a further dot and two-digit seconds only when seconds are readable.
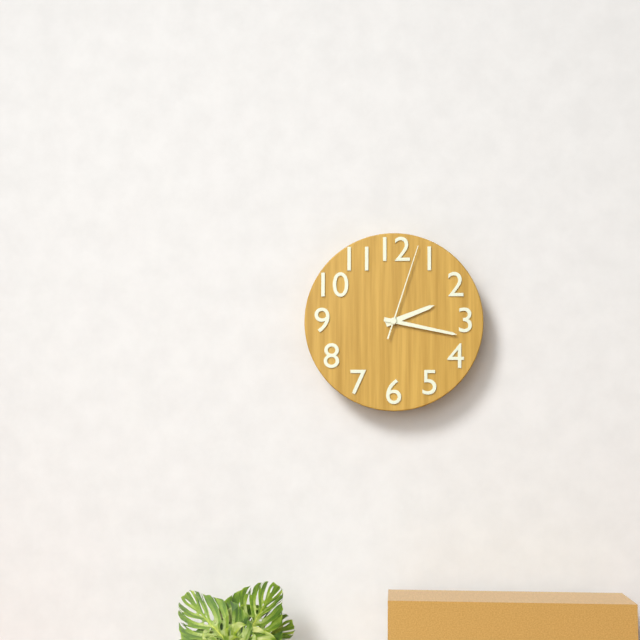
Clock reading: 2.17.03
